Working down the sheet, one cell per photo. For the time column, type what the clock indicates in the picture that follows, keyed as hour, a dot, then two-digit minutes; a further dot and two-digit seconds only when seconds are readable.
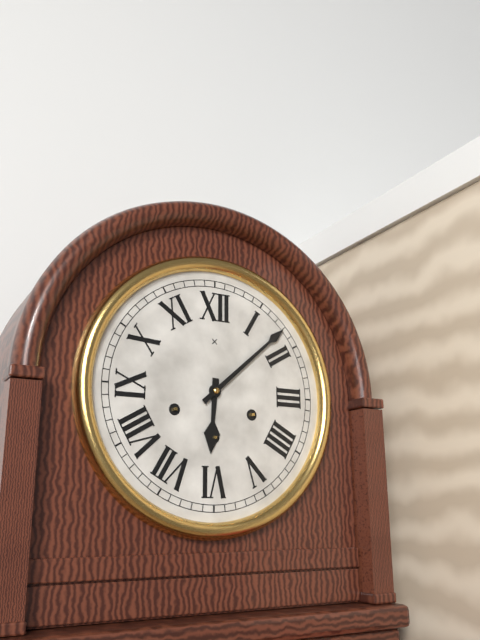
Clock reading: 6.08
